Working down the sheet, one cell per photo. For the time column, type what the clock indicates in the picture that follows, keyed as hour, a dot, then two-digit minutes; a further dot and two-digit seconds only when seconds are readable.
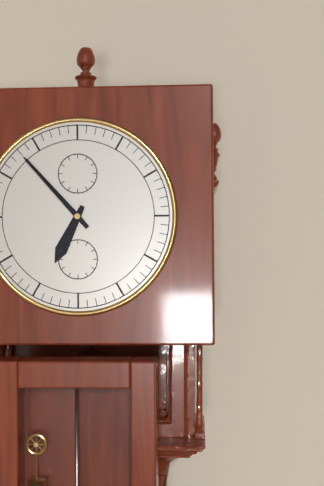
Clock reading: 6.53
